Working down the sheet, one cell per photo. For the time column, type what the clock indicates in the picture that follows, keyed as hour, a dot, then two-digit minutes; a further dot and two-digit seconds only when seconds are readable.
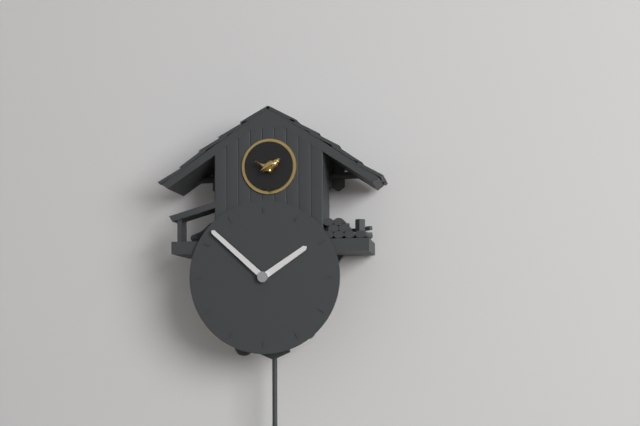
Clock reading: 1.52
